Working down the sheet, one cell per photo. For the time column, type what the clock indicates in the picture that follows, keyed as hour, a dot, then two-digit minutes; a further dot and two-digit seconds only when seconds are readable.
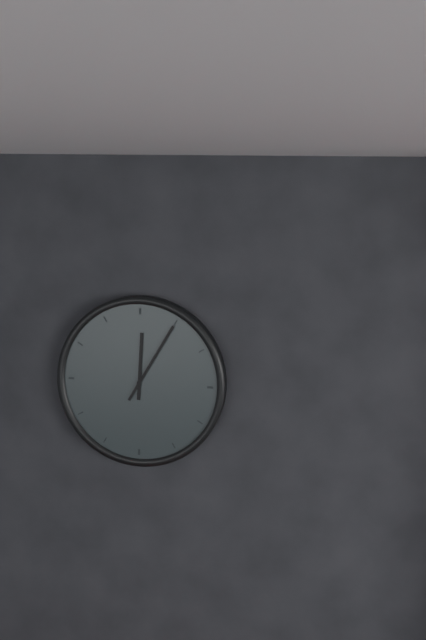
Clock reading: 12.05
